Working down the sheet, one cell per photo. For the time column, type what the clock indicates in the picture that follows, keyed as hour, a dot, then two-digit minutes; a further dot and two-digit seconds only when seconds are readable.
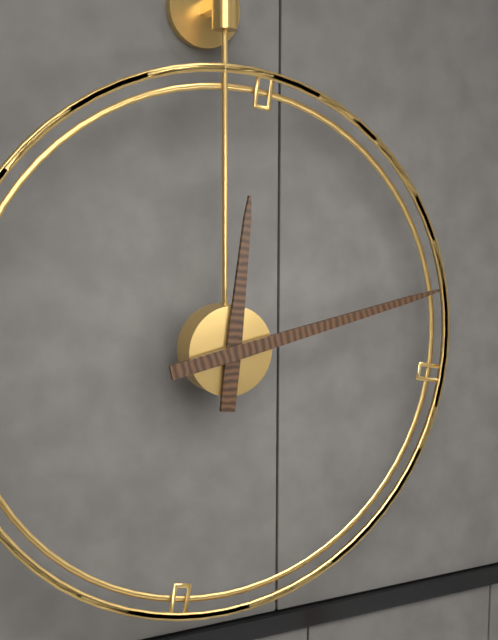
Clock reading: 12.13
